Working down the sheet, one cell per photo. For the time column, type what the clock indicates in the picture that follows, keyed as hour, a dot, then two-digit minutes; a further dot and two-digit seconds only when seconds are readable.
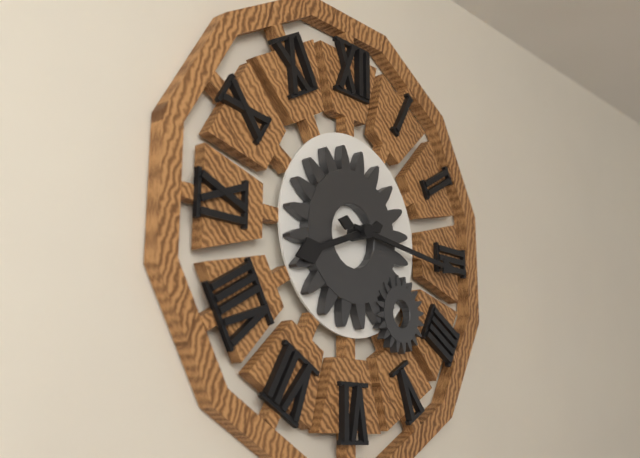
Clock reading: 8.16
